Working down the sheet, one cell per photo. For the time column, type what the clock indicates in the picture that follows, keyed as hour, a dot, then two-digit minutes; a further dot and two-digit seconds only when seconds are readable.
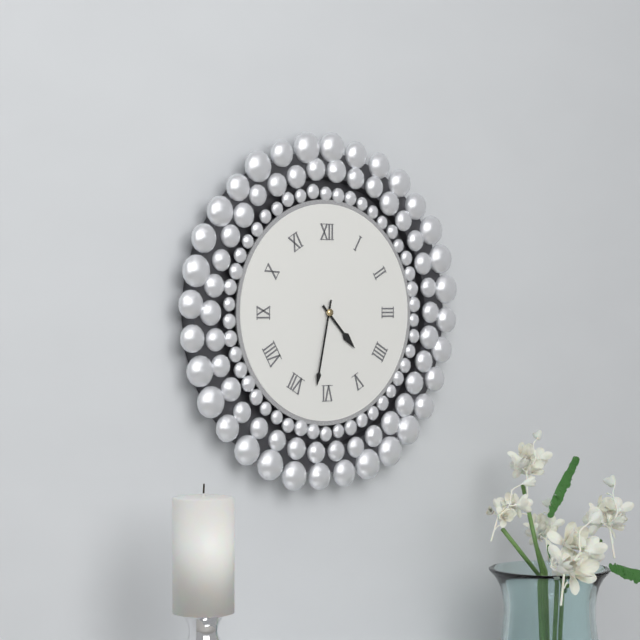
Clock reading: 4.32
